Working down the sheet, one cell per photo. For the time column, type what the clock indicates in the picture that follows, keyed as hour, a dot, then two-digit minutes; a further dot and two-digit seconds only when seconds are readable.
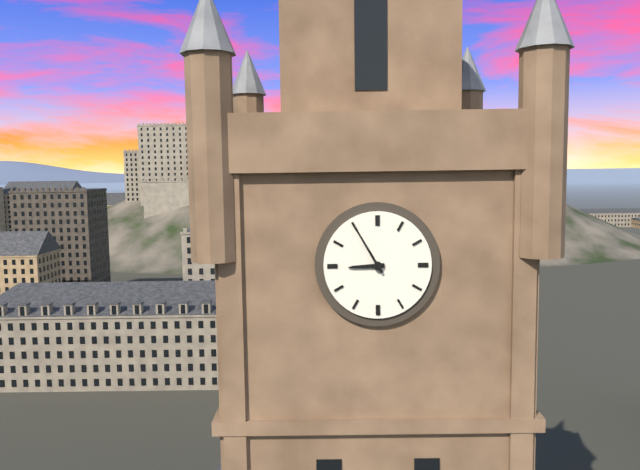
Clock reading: 8.55
